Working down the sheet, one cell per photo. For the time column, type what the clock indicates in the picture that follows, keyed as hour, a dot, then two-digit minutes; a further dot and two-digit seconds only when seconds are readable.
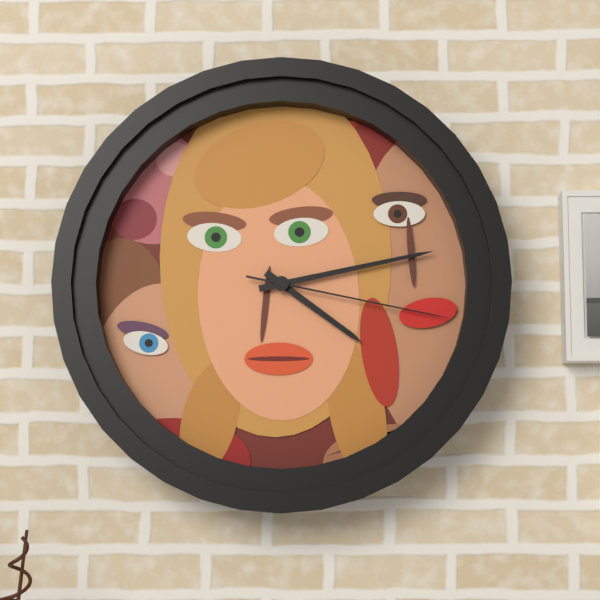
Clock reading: 4.13.17
